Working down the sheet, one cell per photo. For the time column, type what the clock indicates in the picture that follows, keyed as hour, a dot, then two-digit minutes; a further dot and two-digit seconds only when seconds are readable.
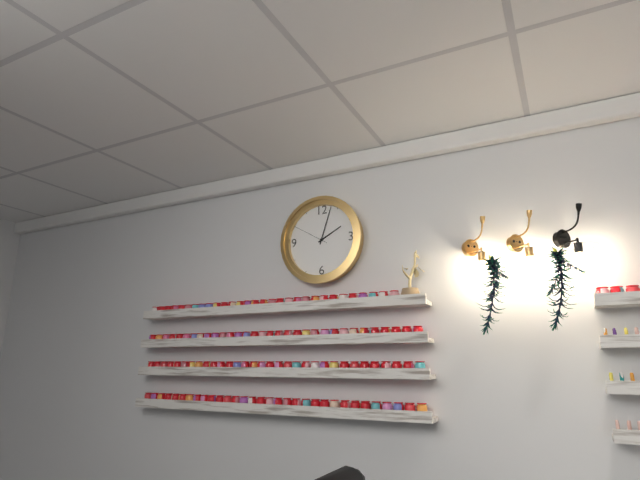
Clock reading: 2.03
